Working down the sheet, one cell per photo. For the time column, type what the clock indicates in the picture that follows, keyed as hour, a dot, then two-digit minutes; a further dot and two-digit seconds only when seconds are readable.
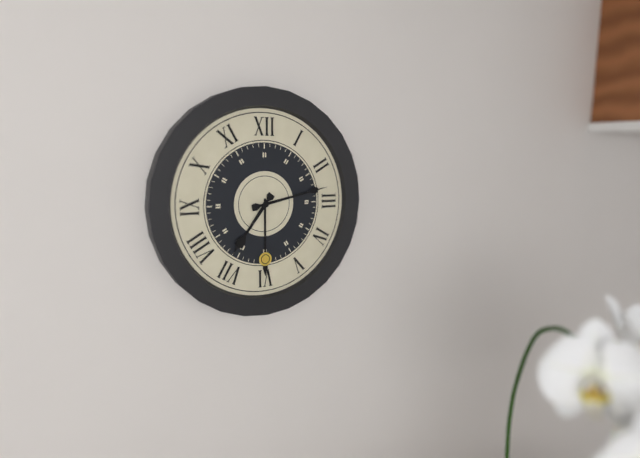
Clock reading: 7.13
